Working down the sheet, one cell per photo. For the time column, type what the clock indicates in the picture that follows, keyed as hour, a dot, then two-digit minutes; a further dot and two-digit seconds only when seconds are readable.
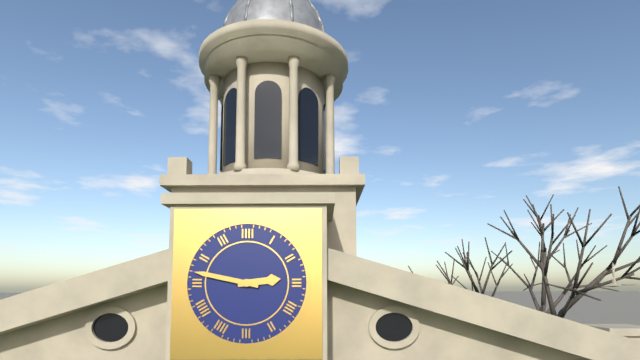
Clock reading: 2.47
